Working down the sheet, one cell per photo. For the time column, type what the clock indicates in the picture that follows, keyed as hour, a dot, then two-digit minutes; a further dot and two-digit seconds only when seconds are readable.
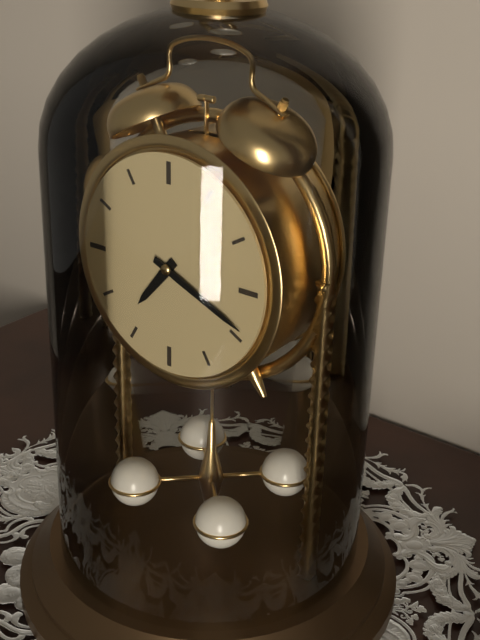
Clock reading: 7.19
